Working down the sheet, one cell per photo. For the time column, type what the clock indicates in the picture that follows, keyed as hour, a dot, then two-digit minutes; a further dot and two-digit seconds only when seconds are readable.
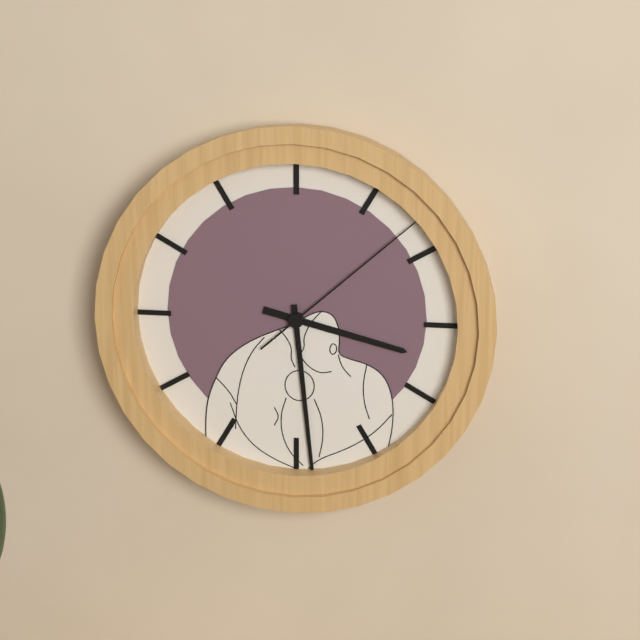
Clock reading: 3.29.08
